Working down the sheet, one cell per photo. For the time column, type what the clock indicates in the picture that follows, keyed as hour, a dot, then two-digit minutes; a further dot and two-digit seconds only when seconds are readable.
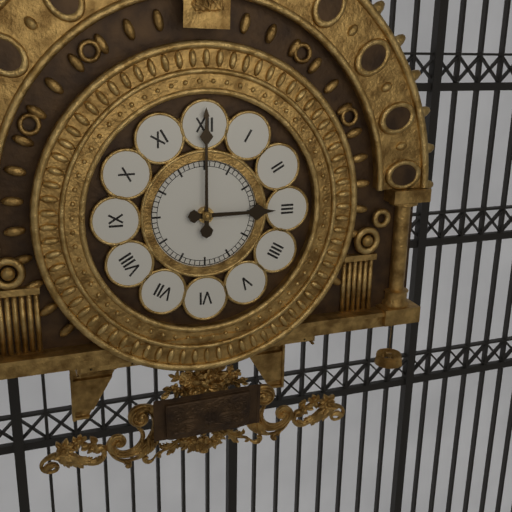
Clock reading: 3.00
